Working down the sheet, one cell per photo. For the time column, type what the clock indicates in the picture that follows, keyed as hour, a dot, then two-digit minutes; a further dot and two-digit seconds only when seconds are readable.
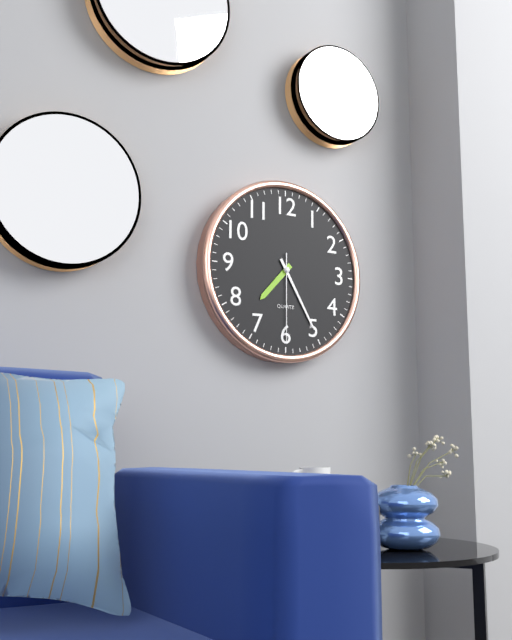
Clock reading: 7.25.30
